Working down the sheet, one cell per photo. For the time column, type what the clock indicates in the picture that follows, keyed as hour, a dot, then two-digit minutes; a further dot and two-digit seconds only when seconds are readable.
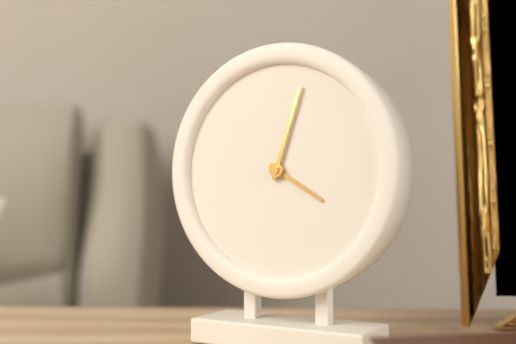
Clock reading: 4.03
